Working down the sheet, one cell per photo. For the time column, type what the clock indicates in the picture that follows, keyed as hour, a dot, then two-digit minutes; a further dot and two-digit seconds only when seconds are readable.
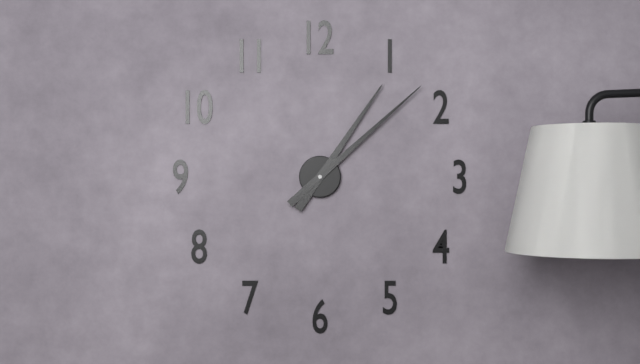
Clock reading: 1.08
